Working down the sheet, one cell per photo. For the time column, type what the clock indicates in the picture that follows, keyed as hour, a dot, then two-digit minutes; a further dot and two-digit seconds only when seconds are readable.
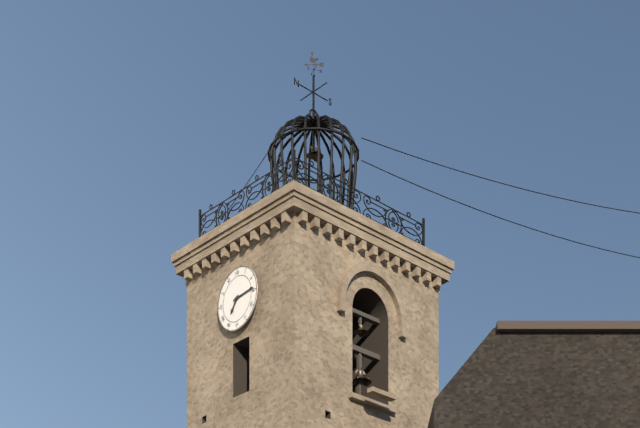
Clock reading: 7.14
